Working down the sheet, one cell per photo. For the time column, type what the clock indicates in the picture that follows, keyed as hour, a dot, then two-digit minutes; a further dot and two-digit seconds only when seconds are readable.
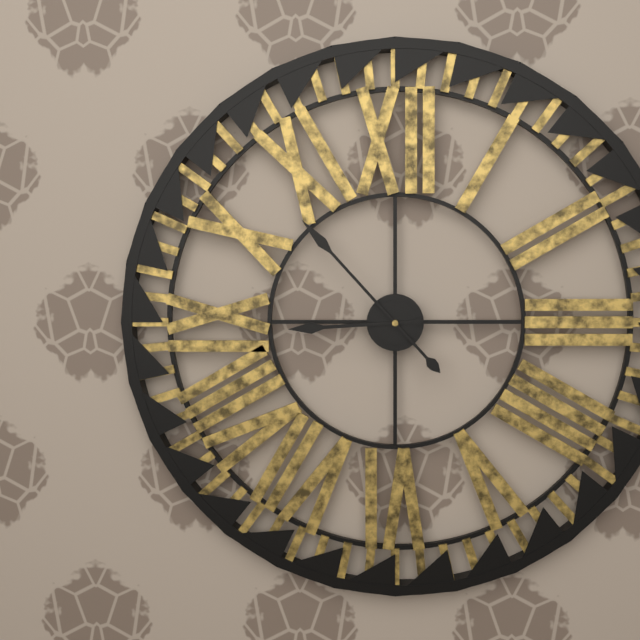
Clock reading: 8.53
